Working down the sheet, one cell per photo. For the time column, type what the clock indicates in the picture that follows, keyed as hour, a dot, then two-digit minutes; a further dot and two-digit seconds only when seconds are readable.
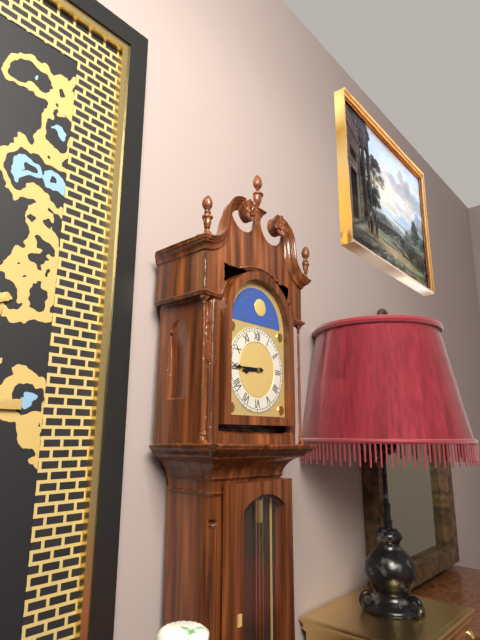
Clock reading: 8.45
